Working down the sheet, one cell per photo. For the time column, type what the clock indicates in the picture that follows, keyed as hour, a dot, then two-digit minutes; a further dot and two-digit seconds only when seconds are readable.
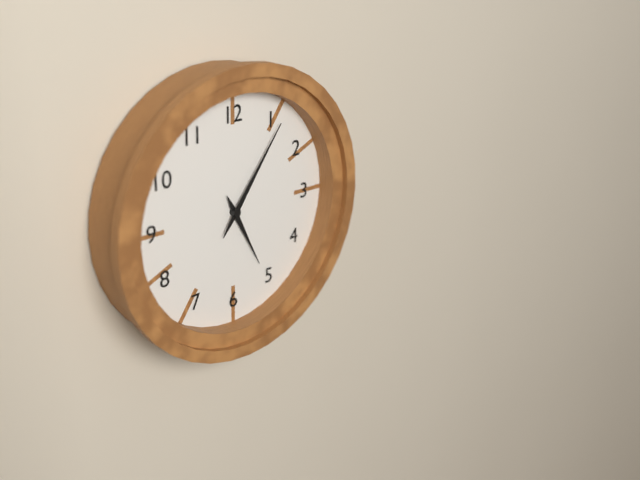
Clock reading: 5.06
